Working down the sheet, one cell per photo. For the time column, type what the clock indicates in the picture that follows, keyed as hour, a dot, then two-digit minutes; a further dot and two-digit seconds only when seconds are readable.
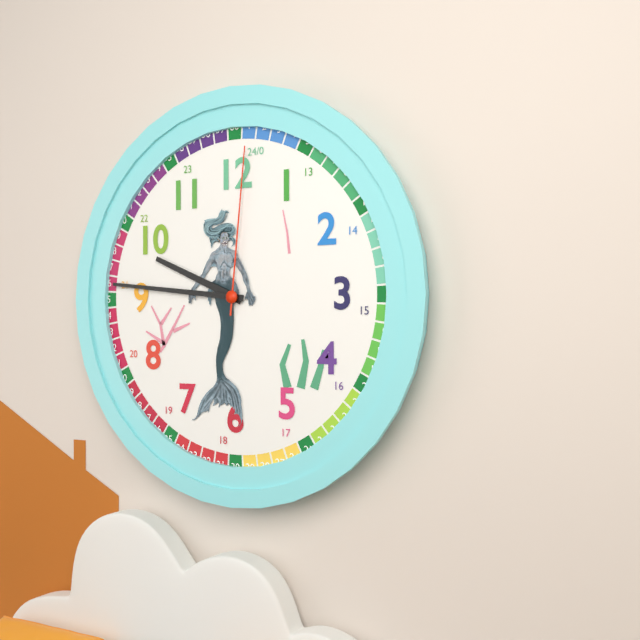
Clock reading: 9.46.01
